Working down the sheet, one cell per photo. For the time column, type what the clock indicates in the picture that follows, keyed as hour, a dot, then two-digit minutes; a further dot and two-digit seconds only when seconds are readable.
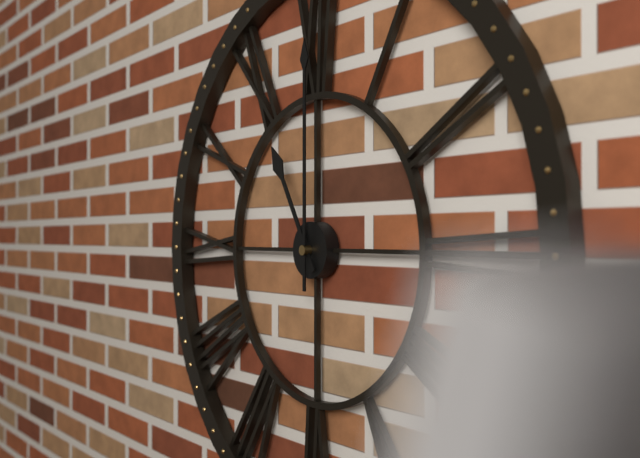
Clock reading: 11.00
